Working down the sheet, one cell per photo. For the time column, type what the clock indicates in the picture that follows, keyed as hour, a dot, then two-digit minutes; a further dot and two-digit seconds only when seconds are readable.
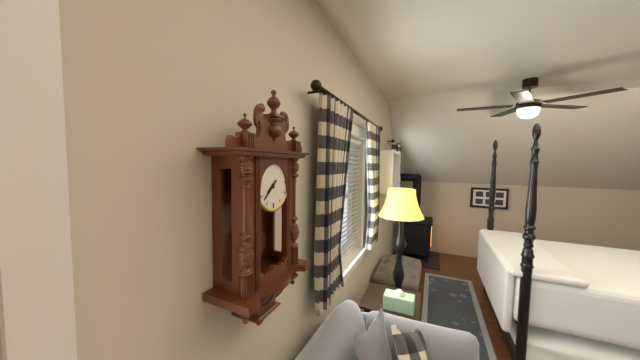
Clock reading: 7.38
